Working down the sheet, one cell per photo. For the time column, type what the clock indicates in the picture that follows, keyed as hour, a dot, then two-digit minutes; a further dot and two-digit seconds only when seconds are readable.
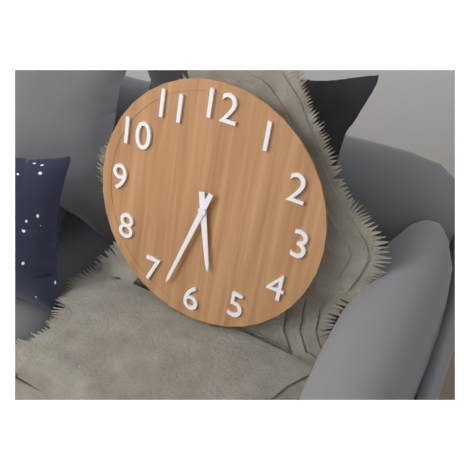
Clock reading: 5.33
